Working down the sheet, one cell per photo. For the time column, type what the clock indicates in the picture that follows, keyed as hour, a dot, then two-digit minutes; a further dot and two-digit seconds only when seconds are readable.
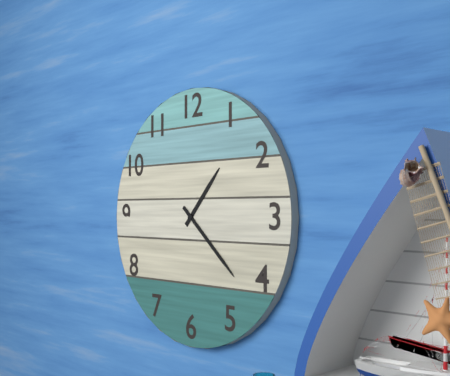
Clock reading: 1.22
